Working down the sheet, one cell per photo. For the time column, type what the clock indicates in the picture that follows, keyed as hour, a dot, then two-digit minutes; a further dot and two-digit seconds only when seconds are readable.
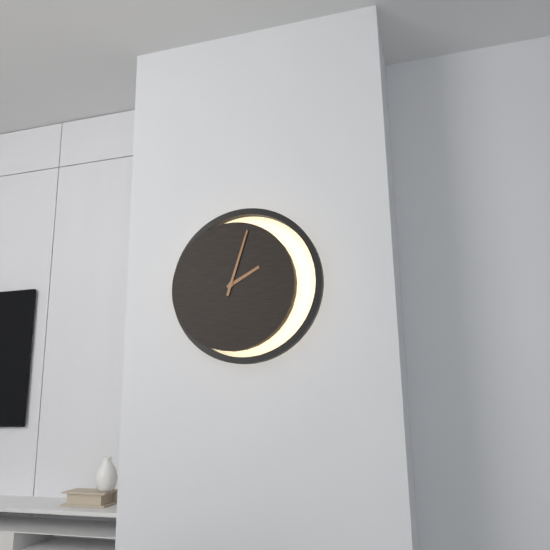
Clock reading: 2.03
